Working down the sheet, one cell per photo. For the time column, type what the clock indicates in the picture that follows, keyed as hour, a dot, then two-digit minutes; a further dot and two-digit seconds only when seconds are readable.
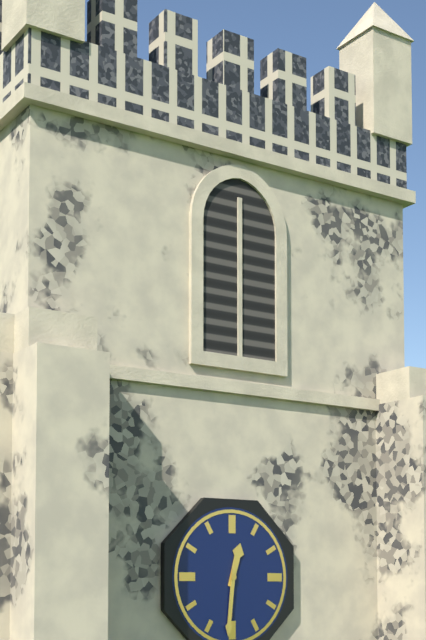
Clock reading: 12.31
